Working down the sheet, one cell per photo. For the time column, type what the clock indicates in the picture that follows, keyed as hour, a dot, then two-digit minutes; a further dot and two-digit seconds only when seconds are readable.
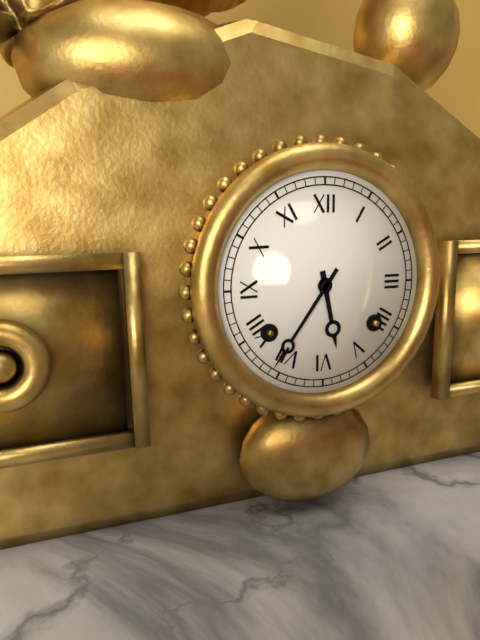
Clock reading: 5.36
